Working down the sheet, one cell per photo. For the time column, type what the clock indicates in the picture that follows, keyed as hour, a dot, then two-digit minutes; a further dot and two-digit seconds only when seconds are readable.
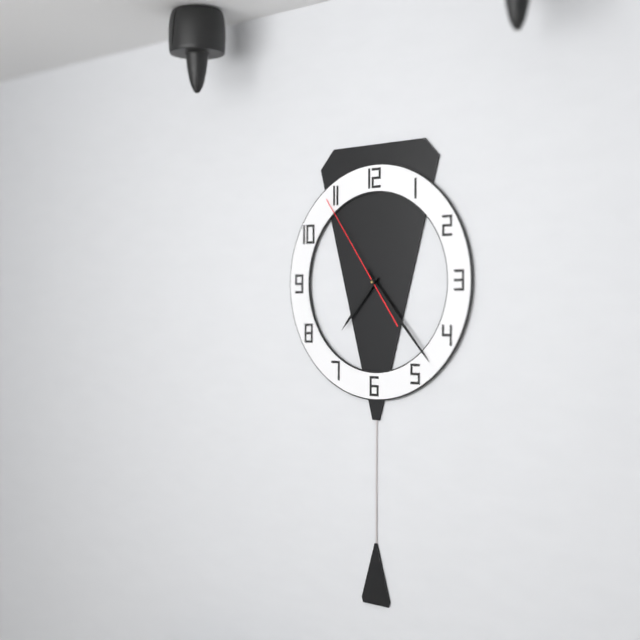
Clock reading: 7.23.54
